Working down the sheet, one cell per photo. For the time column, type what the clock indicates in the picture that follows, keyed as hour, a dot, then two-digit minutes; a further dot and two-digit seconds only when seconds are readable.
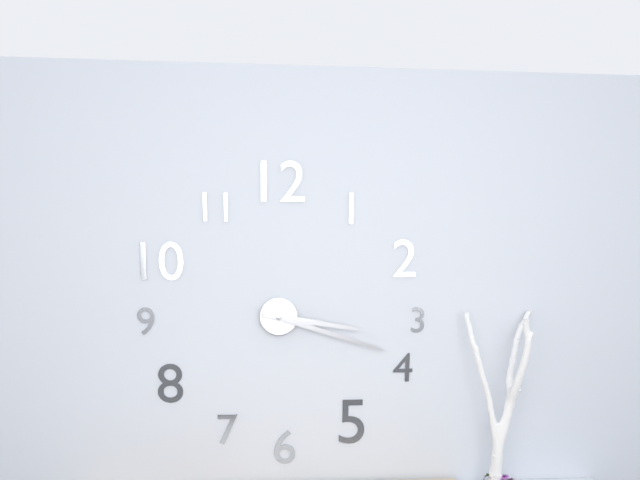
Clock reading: 3.18
